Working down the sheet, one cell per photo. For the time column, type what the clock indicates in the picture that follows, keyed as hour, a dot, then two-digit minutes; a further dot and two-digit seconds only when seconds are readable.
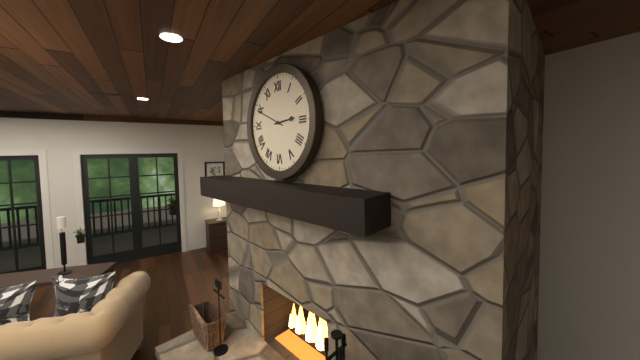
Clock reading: 2.49
